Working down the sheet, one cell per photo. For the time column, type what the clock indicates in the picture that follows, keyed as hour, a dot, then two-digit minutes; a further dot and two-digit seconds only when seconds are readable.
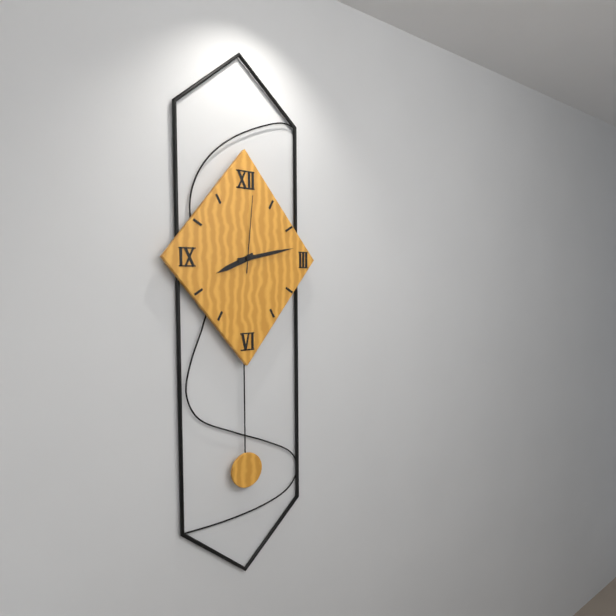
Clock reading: 8.13.01
